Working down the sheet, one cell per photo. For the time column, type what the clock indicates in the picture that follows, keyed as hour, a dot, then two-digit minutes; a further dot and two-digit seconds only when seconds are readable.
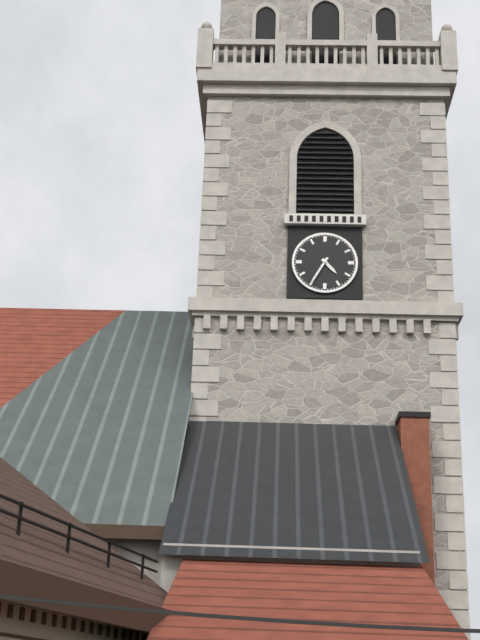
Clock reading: 4.35
